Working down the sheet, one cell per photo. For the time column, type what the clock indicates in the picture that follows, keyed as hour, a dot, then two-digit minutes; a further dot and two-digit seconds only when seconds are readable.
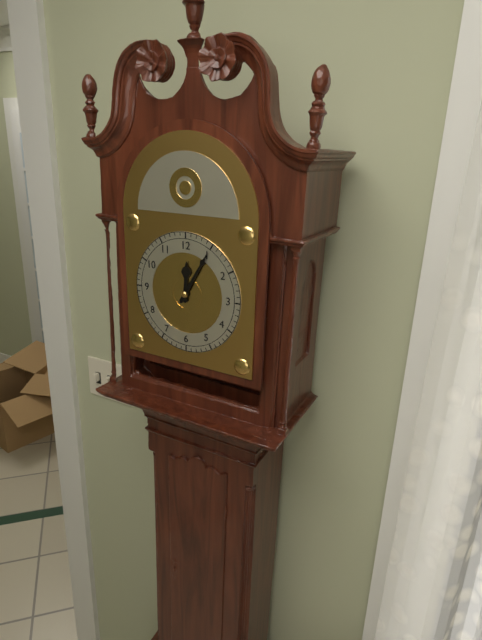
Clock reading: 12.05
